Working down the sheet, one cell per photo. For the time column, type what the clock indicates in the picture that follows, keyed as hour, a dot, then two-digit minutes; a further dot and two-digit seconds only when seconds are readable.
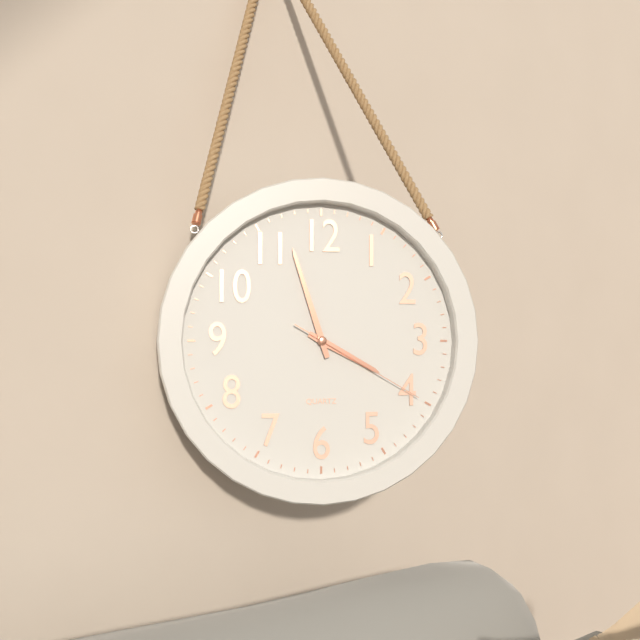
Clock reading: 3.57.20
